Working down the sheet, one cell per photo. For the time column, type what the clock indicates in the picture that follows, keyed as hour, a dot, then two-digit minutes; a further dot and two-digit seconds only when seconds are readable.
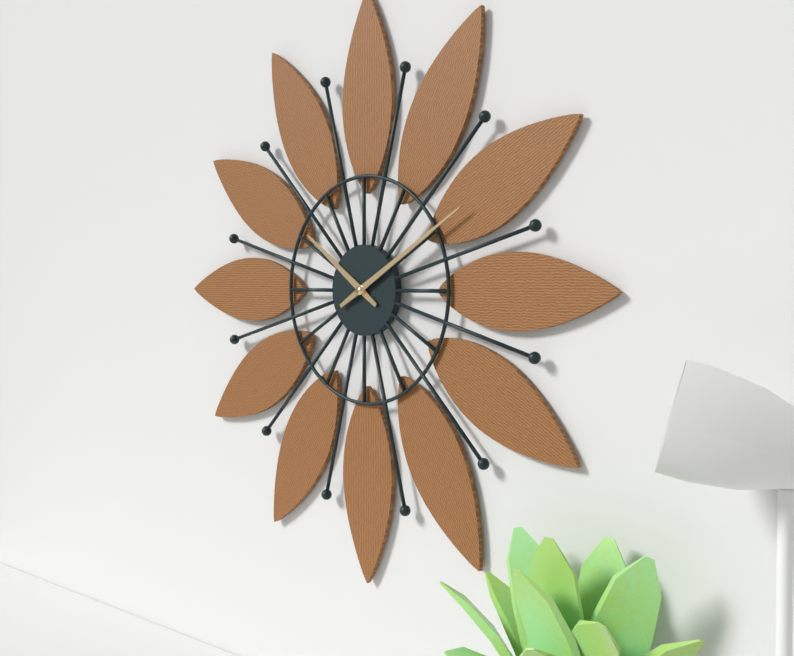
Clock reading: 10.10
